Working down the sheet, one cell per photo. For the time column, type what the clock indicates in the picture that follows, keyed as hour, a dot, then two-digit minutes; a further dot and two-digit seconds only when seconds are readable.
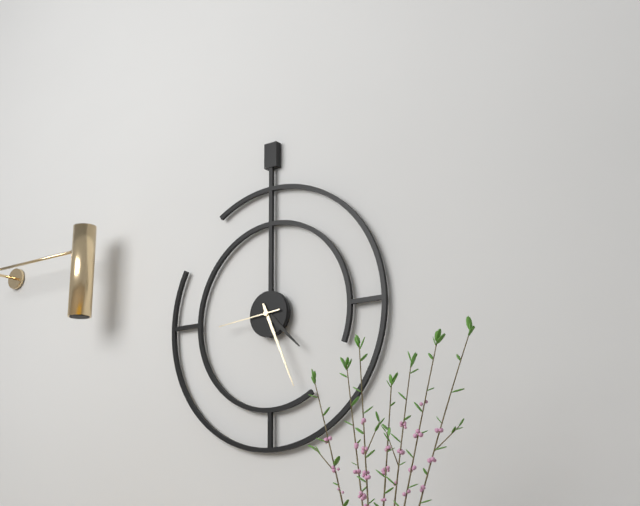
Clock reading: 4.26.44
